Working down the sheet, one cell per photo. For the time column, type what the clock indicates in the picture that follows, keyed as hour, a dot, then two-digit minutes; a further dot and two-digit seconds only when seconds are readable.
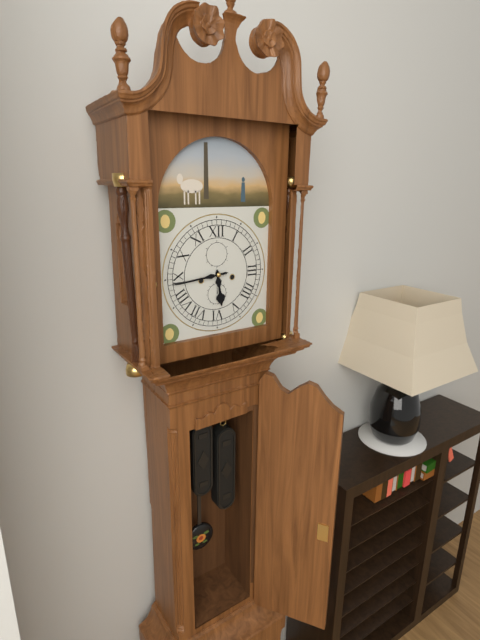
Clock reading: 5.44
